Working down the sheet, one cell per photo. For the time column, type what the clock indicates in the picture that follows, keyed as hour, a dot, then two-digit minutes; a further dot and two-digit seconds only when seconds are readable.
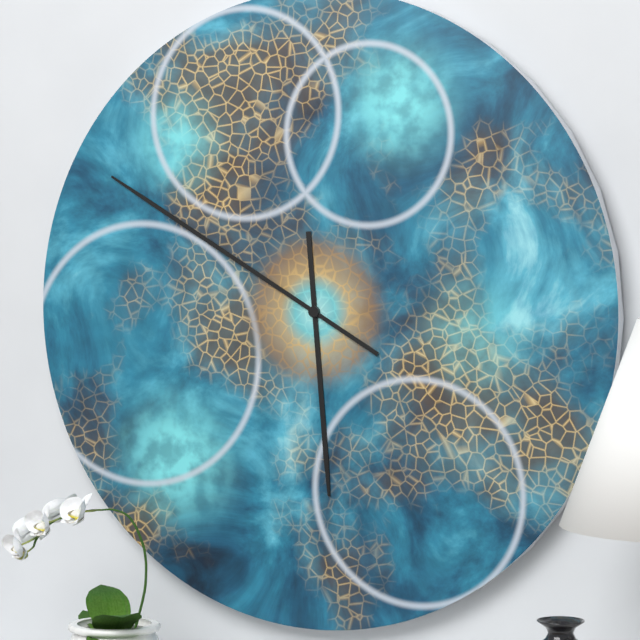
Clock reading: 5.50
